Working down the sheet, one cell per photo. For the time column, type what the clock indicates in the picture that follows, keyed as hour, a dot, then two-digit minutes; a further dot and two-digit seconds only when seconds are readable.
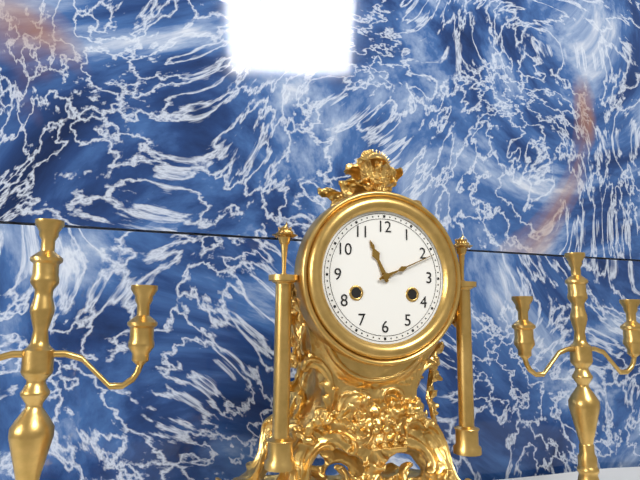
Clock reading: 11.11
